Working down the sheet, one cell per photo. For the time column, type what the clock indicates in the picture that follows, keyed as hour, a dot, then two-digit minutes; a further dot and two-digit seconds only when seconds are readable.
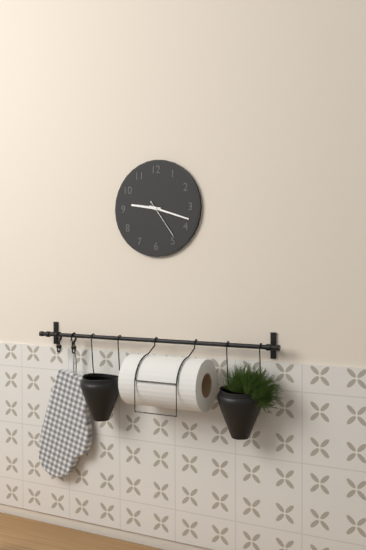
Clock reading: 9.18
